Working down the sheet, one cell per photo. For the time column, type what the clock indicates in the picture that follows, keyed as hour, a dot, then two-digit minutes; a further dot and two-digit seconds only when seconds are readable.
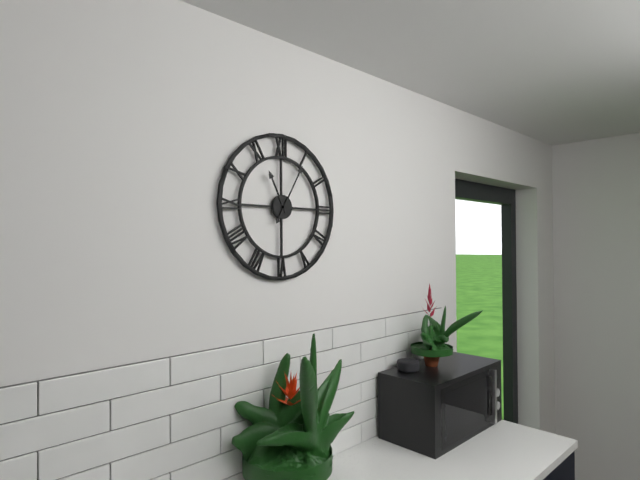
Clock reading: 11.05
